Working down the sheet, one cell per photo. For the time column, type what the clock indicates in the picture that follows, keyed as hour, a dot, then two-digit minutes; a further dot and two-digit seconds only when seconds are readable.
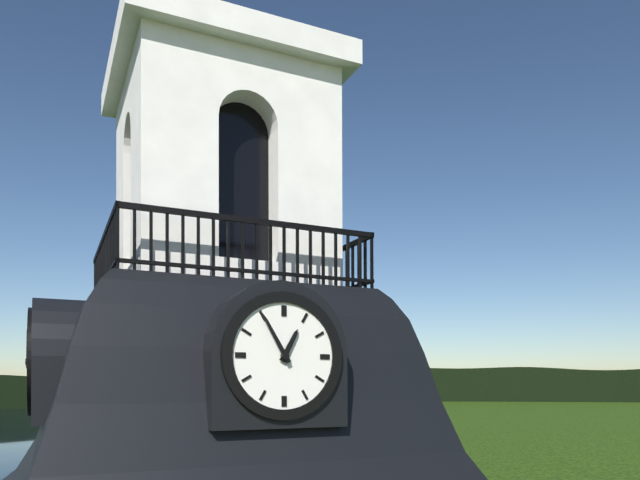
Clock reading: 12.55
